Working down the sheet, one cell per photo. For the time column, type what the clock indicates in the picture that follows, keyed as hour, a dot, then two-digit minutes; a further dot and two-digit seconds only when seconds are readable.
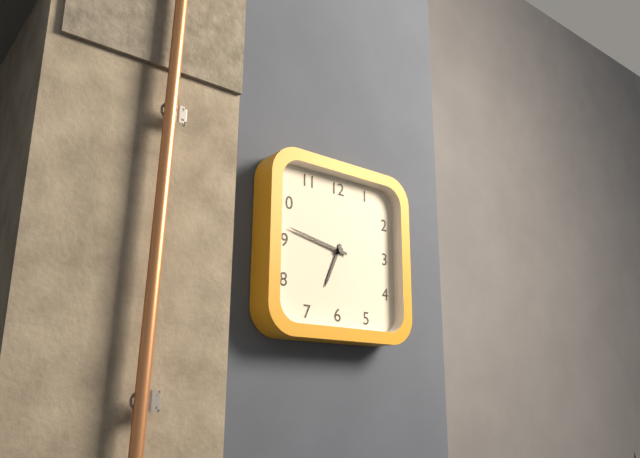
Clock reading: 6.47
